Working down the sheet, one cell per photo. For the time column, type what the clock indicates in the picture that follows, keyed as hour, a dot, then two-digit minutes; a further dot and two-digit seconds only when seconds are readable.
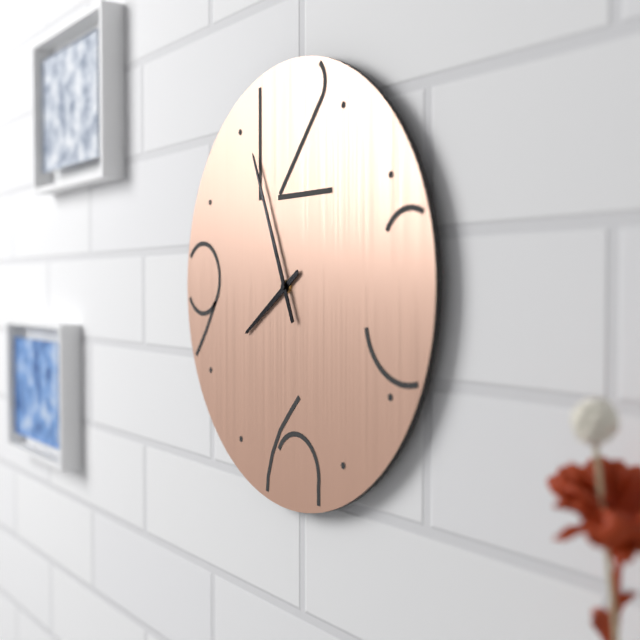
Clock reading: 7.56
